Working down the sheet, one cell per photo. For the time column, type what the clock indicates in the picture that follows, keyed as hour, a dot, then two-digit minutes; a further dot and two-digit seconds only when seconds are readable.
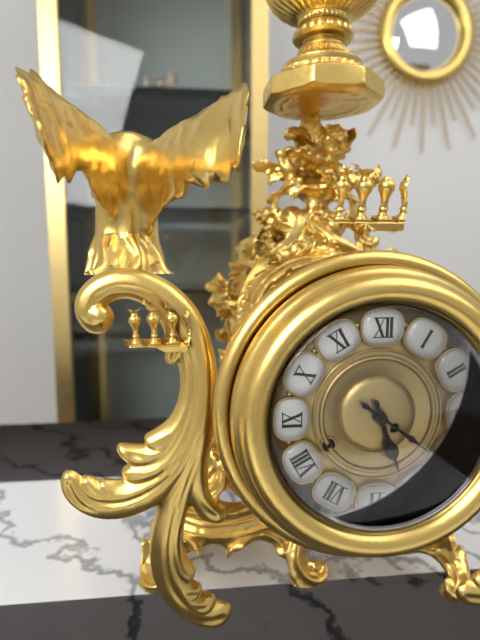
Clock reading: 5.21
